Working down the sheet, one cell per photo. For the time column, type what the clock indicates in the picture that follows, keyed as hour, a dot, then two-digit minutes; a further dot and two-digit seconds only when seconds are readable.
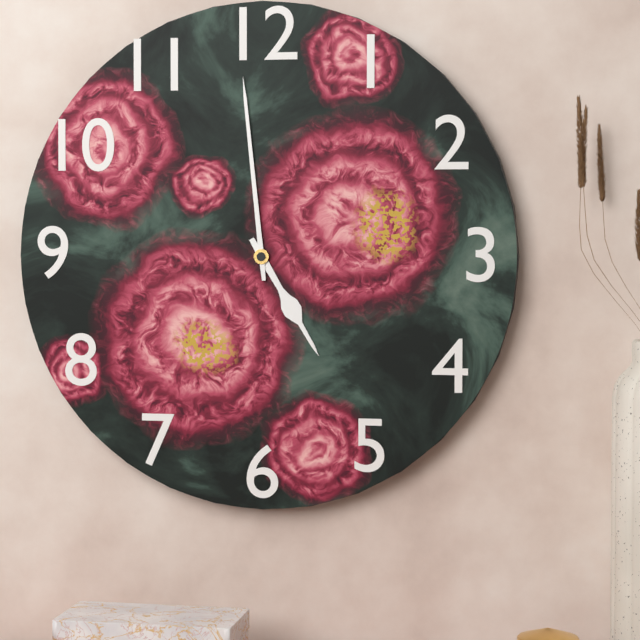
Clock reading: 4.59
